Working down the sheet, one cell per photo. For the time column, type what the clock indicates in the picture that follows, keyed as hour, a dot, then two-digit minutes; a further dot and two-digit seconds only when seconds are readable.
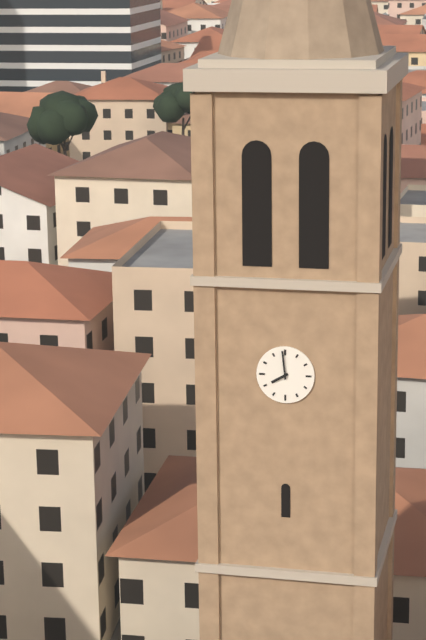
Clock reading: 7.59
